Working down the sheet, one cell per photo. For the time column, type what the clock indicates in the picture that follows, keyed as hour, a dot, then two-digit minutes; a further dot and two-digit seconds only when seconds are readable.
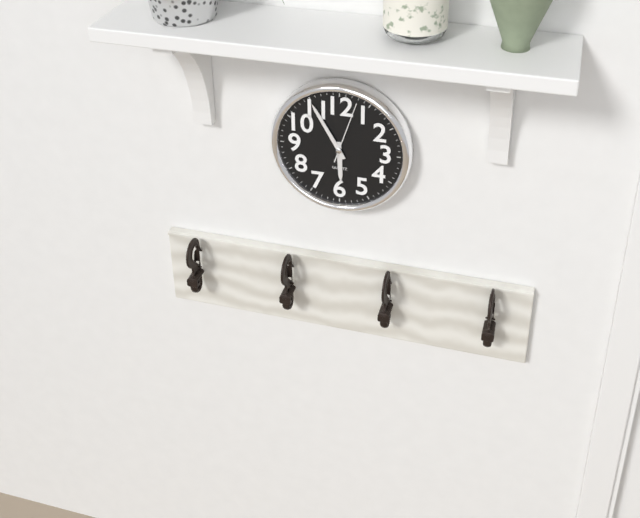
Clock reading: 5.55.03
